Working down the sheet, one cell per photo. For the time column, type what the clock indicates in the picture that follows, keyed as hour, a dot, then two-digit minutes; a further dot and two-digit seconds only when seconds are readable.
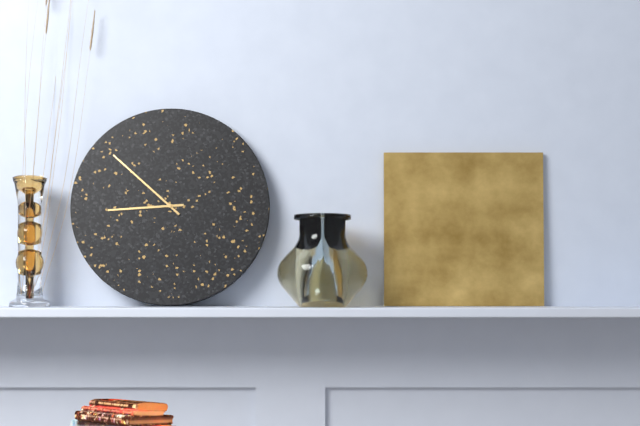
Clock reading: 8.52
